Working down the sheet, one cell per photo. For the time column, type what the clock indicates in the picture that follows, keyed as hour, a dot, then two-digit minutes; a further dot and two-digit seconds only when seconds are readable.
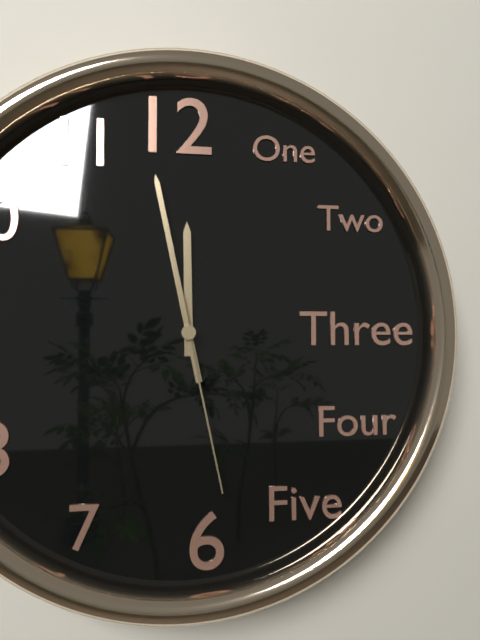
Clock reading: 11.58.28
